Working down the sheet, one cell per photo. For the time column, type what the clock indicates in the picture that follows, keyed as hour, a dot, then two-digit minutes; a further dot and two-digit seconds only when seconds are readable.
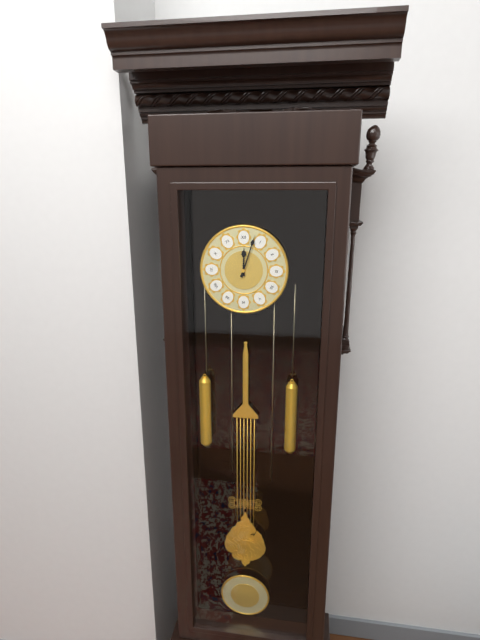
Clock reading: 12.03
